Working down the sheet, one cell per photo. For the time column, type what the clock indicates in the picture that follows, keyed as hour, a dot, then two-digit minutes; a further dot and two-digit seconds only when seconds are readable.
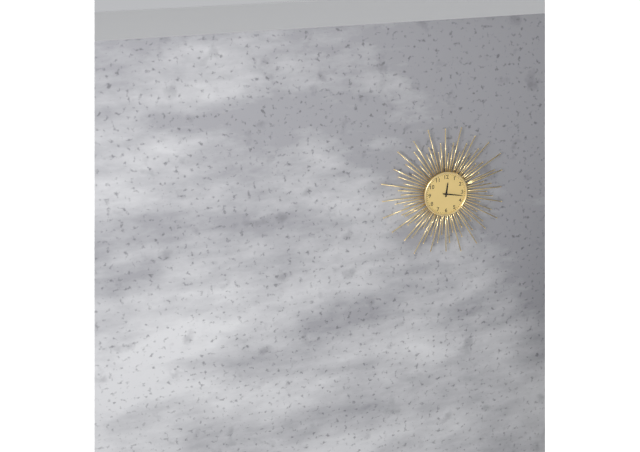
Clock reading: 12.17
